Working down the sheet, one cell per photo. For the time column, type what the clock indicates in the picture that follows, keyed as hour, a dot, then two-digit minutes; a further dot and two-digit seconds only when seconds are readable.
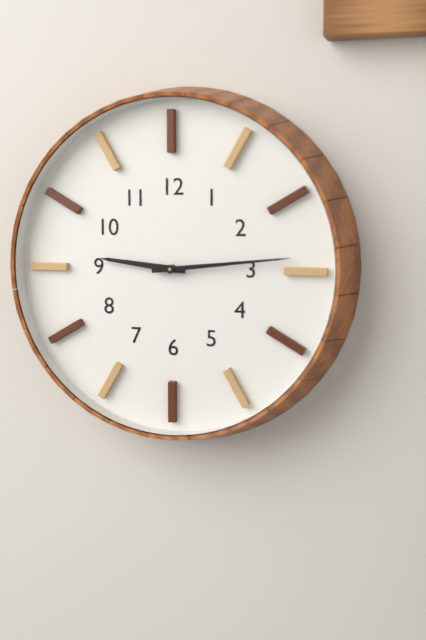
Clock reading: 9.14
